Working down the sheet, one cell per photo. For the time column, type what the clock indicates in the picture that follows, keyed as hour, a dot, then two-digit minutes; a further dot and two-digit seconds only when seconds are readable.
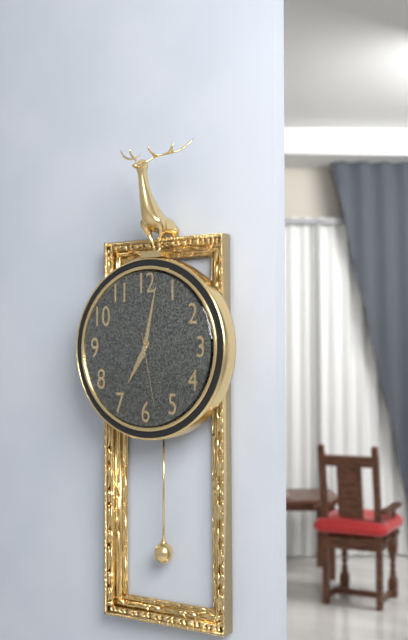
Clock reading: 7.02.28
